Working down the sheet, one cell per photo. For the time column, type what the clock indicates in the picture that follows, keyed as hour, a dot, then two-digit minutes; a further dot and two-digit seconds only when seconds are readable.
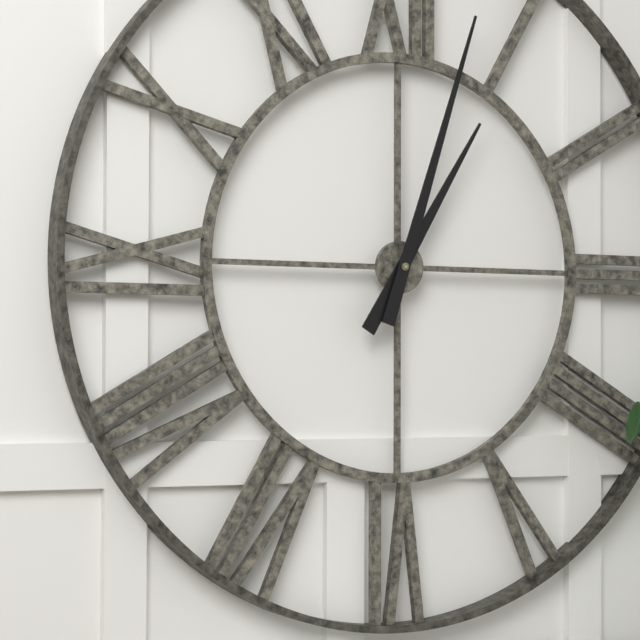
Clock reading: 1.03
